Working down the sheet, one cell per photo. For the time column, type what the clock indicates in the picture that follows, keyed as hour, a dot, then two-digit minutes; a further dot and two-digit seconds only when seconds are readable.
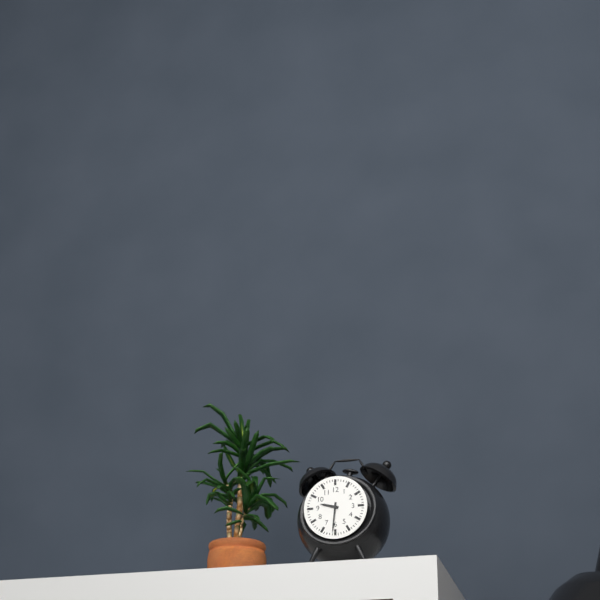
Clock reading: 9.31
